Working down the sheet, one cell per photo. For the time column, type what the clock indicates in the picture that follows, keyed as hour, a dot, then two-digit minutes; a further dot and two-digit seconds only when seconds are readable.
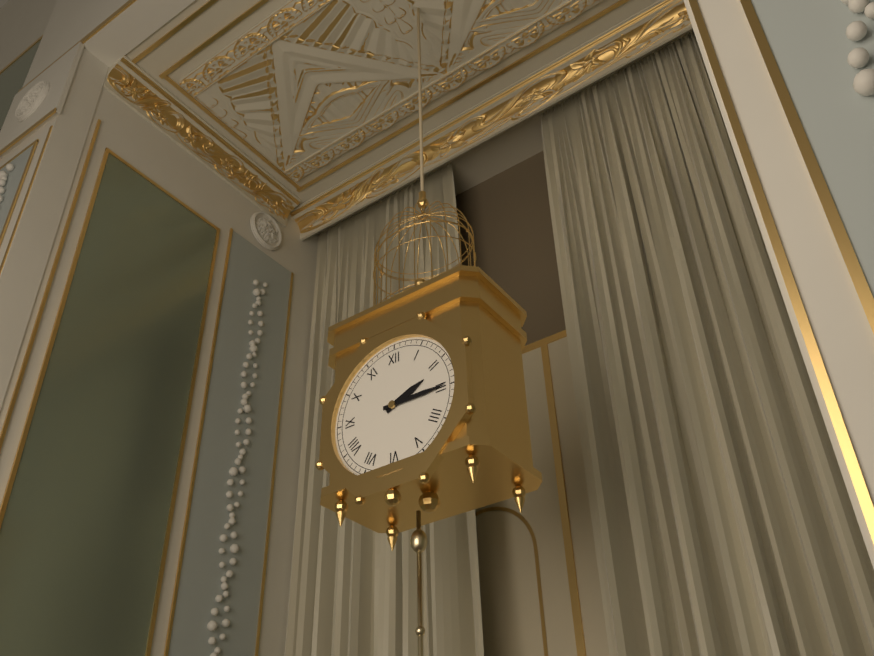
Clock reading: 2.15
